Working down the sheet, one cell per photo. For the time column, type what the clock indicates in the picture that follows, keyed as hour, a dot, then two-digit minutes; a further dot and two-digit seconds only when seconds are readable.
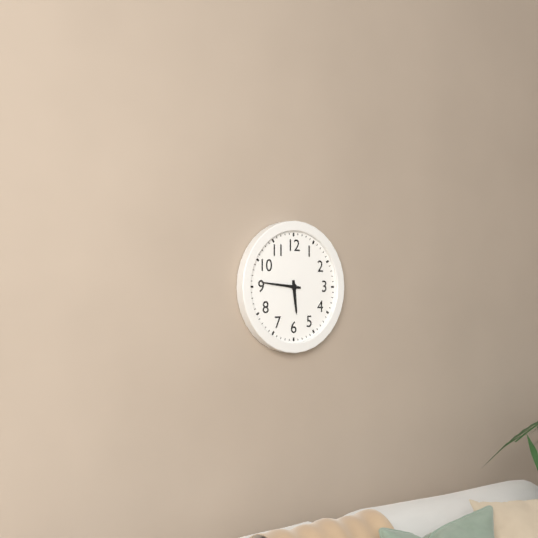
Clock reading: 5.46
